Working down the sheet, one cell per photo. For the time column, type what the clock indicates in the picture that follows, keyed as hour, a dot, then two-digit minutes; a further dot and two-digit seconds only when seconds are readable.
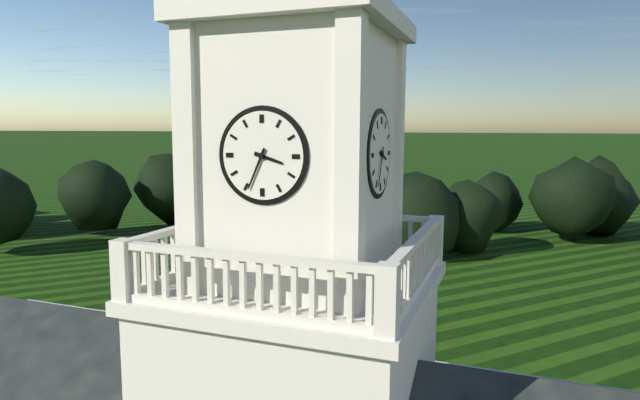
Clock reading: 3.34
